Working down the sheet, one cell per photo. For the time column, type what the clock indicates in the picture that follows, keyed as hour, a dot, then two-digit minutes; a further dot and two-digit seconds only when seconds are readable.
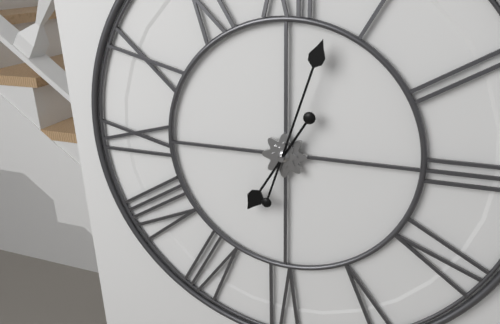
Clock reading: 7.03
